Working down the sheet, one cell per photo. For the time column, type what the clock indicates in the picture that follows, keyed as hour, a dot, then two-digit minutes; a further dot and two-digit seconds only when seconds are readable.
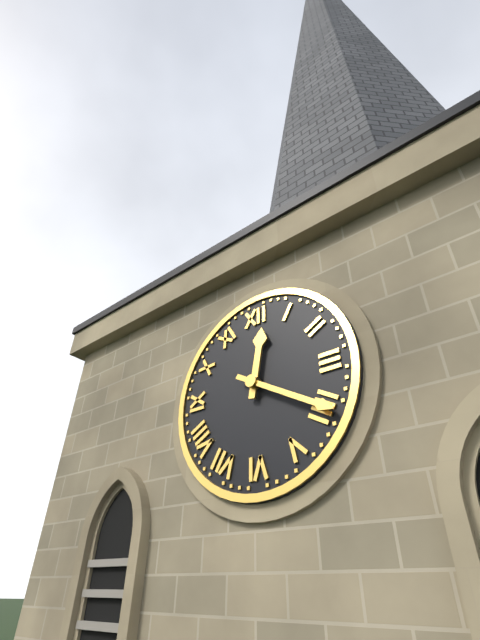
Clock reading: 12.20
